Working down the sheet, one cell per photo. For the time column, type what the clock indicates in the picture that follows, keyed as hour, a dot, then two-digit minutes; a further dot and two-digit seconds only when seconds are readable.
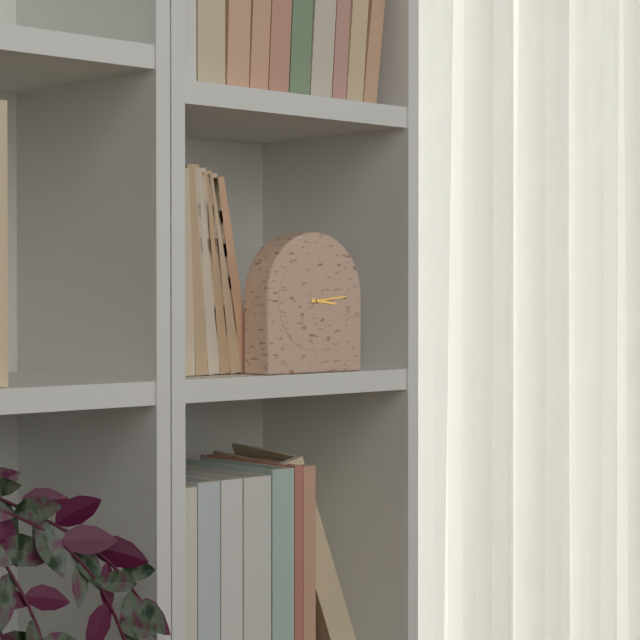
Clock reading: 3.14
